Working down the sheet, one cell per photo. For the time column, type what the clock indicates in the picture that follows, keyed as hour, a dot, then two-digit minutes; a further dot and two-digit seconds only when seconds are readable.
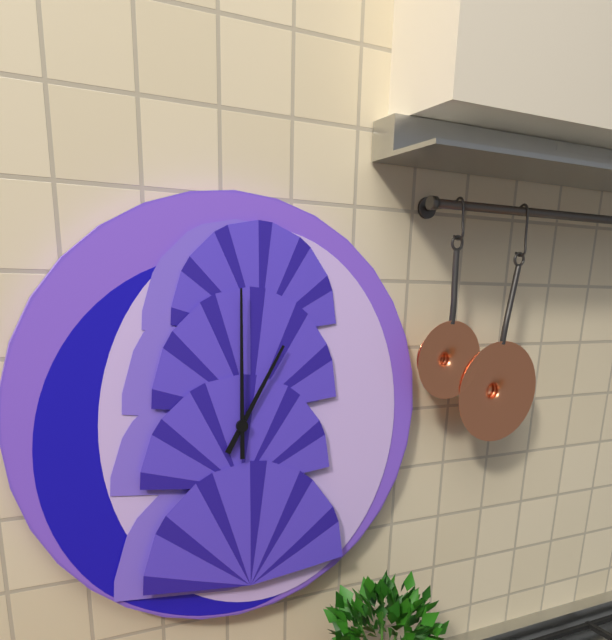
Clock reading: 1.00
